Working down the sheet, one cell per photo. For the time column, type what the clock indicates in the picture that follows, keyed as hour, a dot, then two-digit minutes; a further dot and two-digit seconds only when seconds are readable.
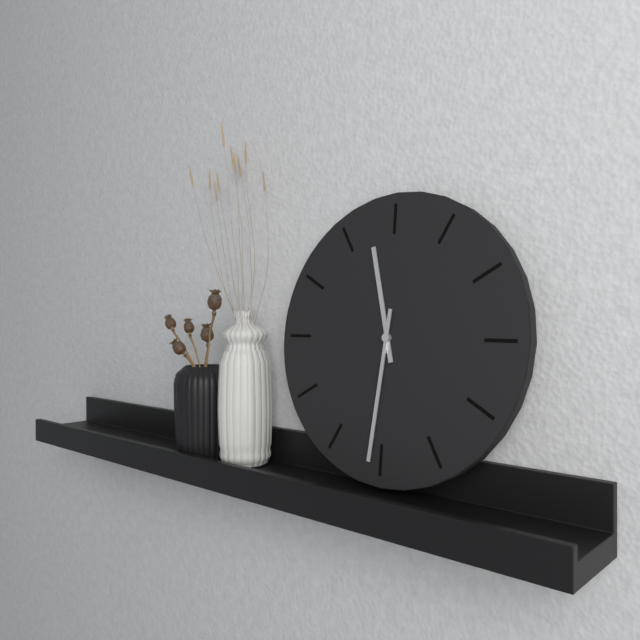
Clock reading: 11.31
